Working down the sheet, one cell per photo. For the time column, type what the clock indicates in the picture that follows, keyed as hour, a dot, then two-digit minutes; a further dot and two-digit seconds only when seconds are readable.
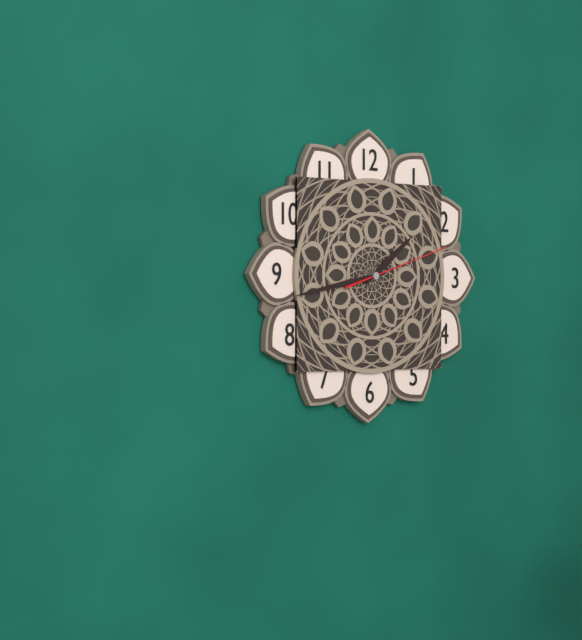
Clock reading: 1.43.12
